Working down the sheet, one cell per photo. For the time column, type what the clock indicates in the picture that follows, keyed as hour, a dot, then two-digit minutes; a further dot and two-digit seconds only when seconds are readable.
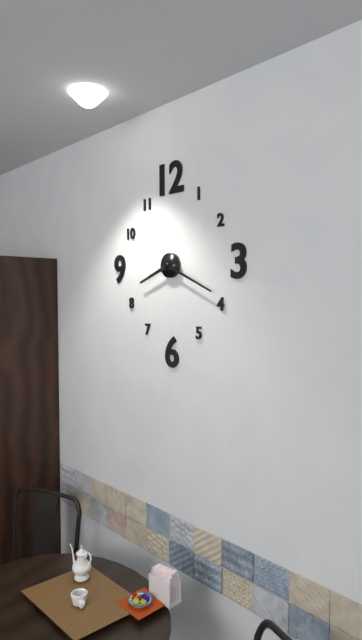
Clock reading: 8.19
